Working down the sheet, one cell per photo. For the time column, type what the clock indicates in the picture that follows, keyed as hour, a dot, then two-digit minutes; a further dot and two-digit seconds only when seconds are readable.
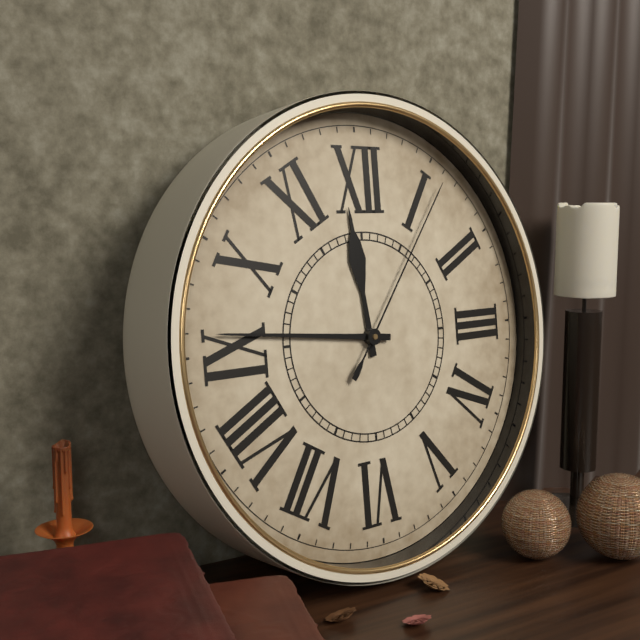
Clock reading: 11.46.06
